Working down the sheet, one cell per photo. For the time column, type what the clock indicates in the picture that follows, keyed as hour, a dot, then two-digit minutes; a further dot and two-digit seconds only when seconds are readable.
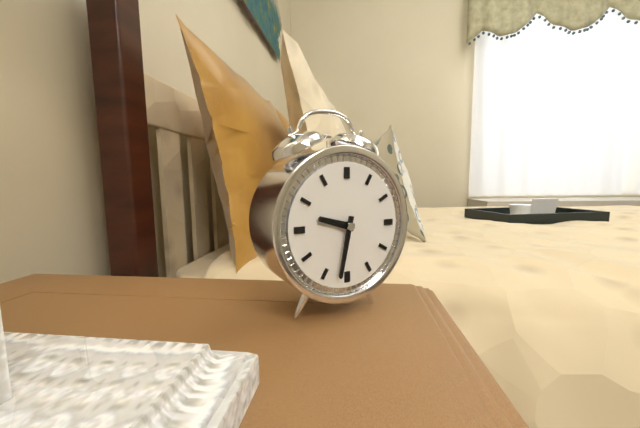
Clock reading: 9.32
